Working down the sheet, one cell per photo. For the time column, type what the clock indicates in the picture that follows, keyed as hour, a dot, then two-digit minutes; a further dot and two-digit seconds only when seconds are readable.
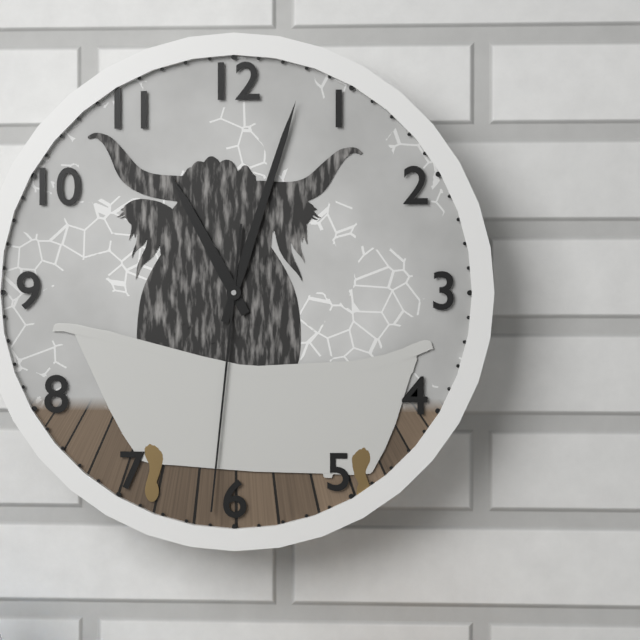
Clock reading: 11.03.31
